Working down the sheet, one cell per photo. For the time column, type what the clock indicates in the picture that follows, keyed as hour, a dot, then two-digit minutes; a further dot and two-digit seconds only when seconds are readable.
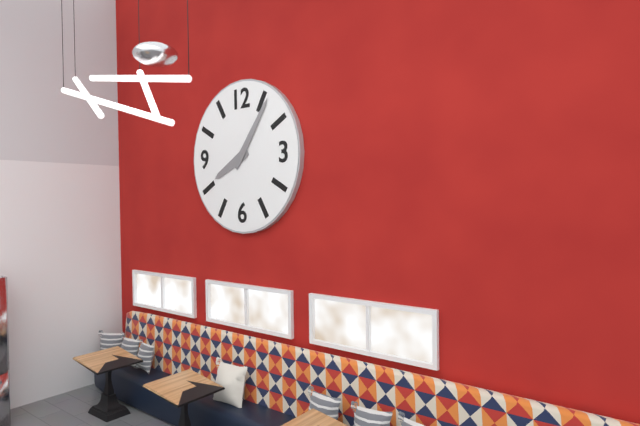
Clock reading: 8.06
